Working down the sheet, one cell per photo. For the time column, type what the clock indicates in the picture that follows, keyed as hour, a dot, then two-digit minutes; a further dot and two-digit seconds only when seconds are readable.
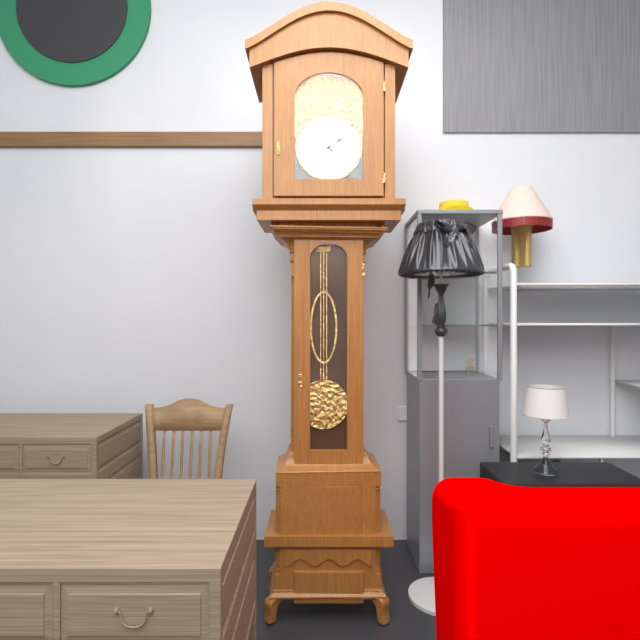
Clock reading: 1.53
